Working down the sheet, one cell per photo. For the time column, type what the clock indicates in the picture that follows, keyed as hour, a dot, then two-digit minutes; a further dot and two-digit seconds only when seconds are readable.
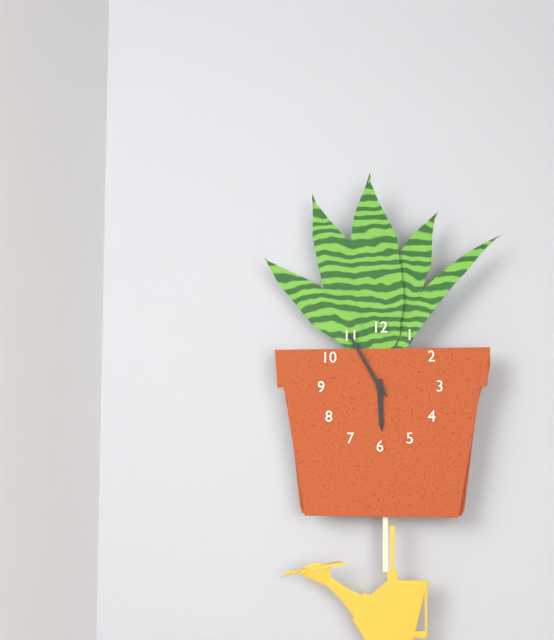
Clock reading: 5.55
